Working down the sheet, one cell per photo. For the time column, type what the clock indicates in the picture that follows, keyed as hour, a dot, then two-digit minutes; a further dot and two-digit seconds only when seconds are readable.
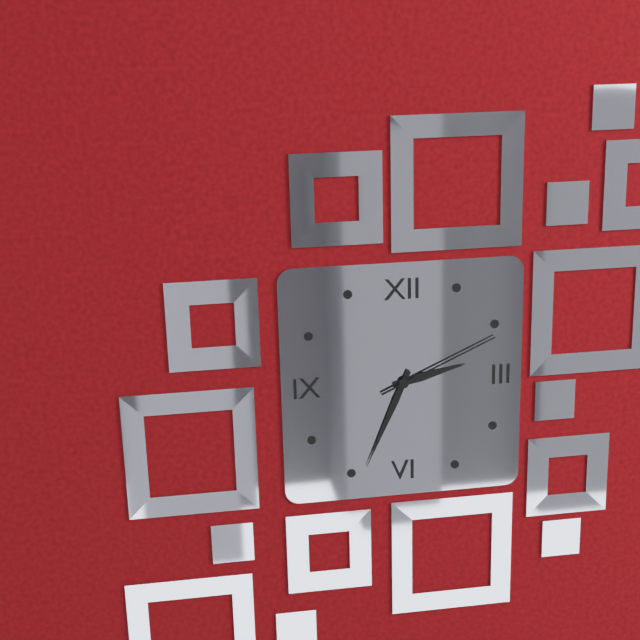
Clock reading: 2.34.11
